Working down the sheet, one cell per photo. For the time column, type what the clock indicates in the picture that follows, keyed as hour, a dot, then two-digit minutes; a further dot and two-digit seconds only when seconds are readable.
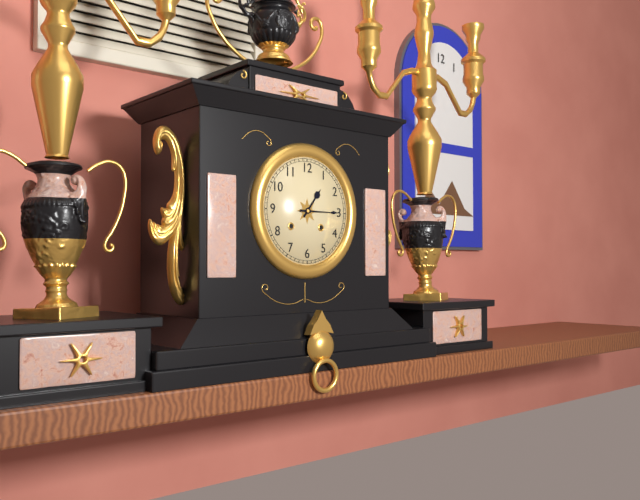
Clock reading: 1.15
